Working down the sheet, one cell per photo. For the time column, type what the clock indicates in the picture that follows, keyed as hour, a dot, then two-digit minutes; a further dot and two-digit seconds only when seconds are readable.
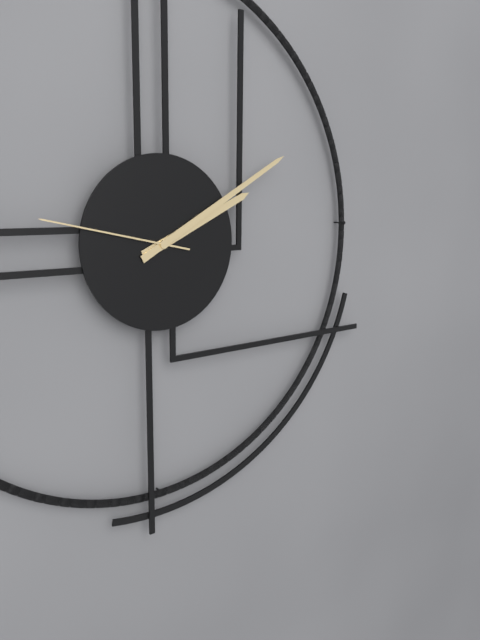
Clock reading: 2.10.47
